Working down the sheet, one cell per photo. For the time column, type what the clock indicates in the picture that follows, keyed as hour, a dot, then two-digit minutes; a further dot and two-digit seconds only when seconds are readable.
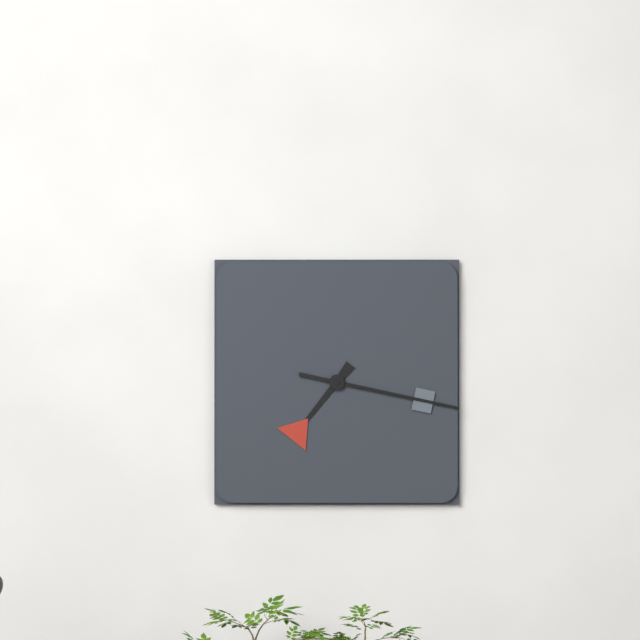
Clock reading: 7.17
